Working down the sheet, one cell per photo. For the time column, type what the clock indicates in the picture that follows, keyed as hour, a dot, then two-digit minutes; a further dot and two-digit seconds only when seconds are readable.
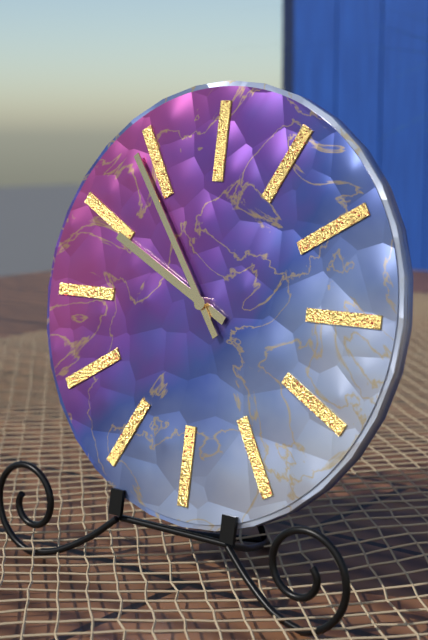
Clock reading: 9.54
